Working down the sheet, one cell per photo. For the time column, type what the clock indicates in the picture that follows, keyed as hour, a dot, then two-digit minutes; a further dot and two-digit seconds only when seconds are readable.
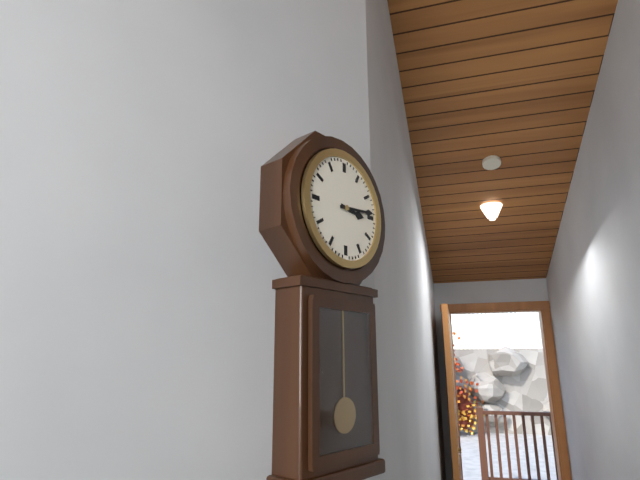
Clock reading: 3.14
